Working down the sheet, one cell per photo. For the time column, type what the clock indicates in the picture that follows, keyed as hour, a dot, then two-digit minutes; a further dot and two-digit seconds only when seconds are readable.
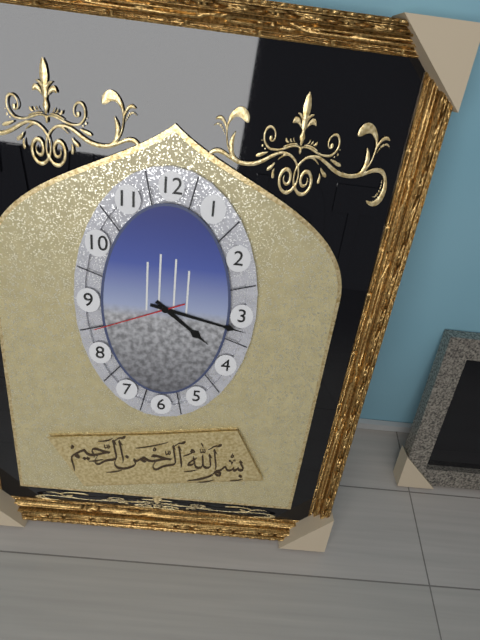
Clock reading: 4.17.41
